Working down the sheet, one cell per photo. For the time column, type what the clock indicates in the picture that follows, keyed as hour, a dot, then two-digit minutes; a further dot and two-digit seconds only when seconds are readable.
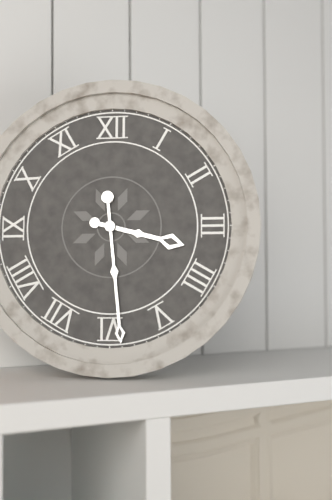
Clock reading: 3.29
